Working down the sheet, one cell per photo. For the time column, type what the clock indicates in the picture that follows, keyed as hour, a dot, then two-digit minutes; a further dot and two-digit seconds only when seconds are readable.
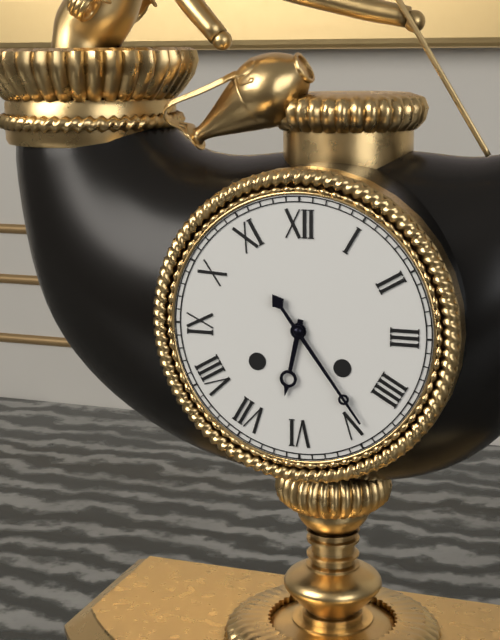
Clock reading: 6.24
